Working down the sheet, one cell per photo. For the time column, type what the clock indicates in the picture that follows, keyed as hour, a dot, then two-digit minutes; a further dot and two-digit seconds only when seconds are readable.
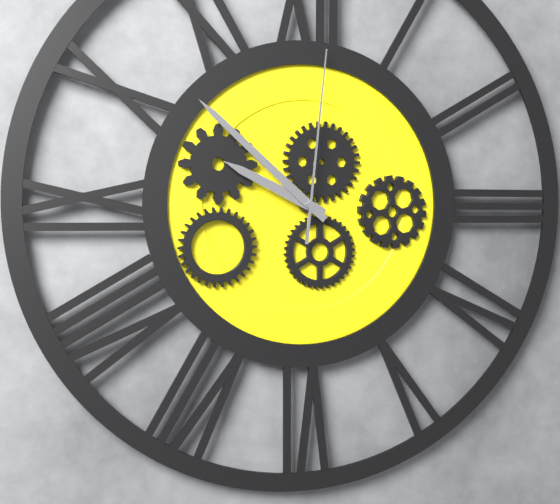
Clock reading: 9.52.01
